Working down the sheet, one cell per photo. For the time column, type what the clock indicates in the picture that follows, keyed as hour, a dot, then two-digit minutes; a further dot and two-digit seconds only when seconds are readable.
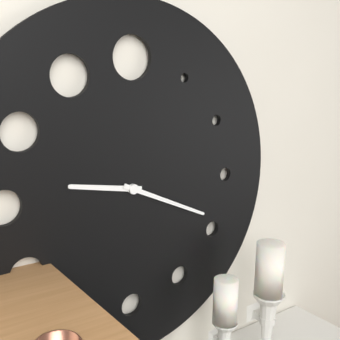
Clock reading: 9.19
